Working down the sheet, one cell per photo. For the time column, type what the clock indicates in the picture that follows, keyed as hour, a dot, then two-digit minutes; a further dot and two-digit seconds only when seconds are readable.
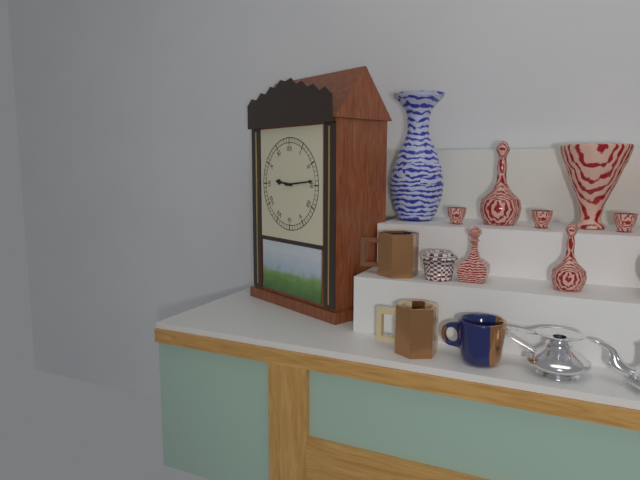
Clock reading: 9.14
